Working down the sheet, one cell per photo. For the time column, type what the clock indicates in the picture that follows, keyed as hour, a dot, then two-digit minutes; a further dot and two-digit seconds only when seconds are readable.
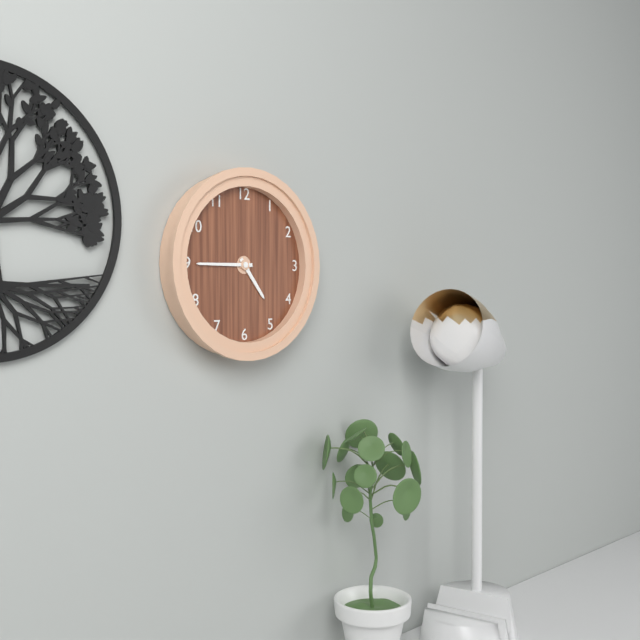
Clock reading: 4.45
